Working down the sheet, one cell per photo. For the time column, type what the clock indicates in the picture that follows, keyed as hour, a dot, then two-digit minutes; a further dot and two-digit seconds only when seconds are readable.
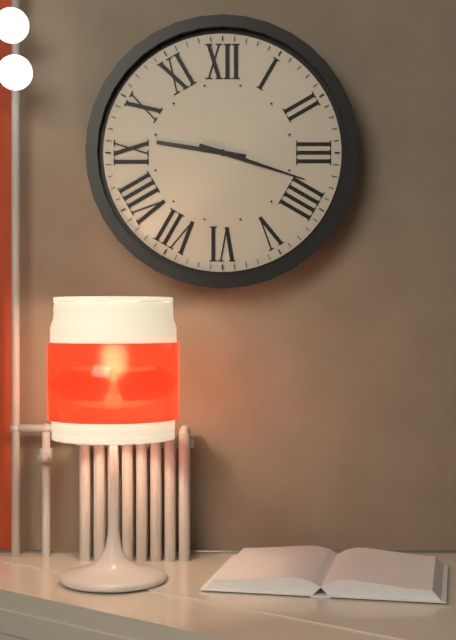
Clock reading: 9.18
